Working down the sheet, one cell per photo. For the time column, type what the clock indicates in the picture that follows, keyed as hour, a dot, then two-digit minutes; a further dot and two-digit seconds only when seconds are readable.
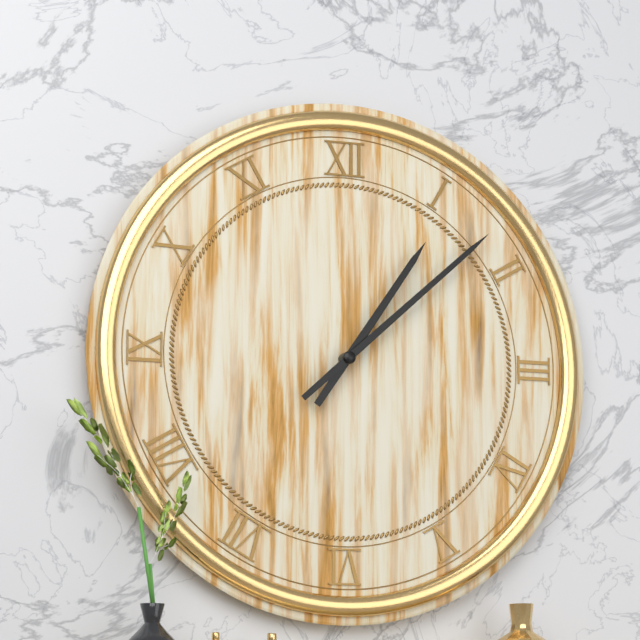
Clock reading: 1.08
